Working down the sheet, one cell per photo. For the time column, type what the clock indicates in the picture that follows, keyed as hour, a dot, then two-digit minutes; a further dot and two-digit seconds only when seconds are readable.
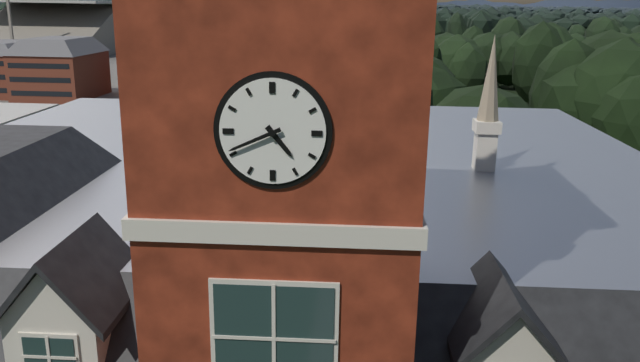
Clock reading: 4.41
